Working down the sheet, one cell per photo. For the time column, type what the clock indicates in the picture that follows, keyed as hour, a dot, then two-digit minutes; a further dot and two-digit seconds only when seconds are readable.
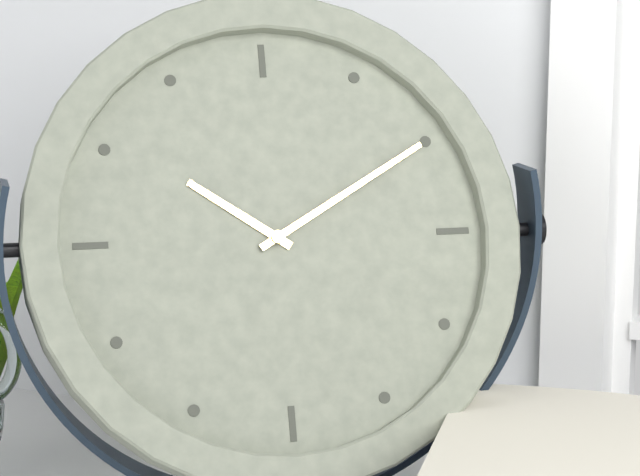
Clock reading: 10.10
